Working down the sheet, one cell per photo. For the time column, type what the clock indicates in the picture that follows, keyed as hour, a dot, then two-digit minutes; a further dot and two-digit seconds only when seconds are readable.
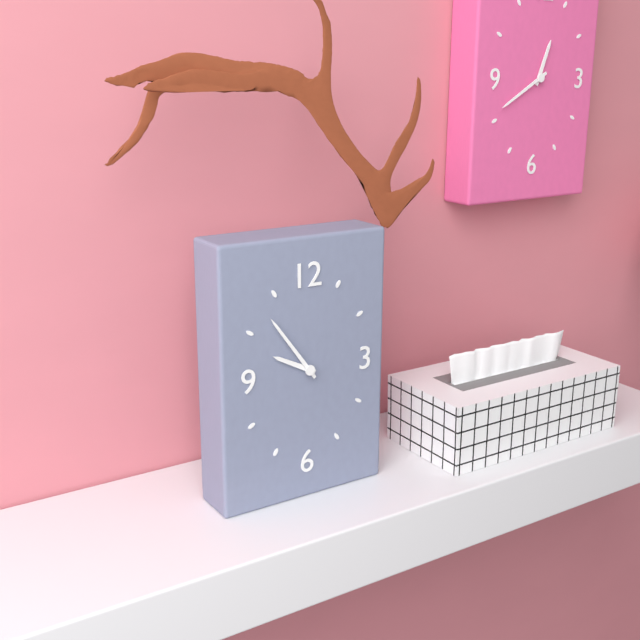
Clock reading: 9.54
